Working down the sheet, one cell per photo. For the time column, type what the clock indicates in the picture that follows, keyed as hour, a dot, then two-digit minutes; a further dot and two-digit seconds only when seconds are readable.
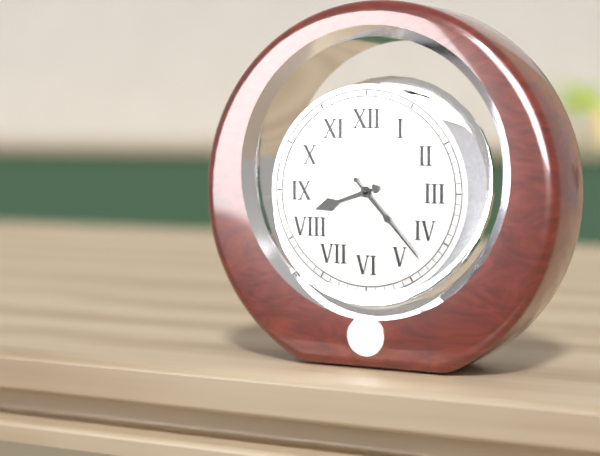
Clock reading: 8.23
